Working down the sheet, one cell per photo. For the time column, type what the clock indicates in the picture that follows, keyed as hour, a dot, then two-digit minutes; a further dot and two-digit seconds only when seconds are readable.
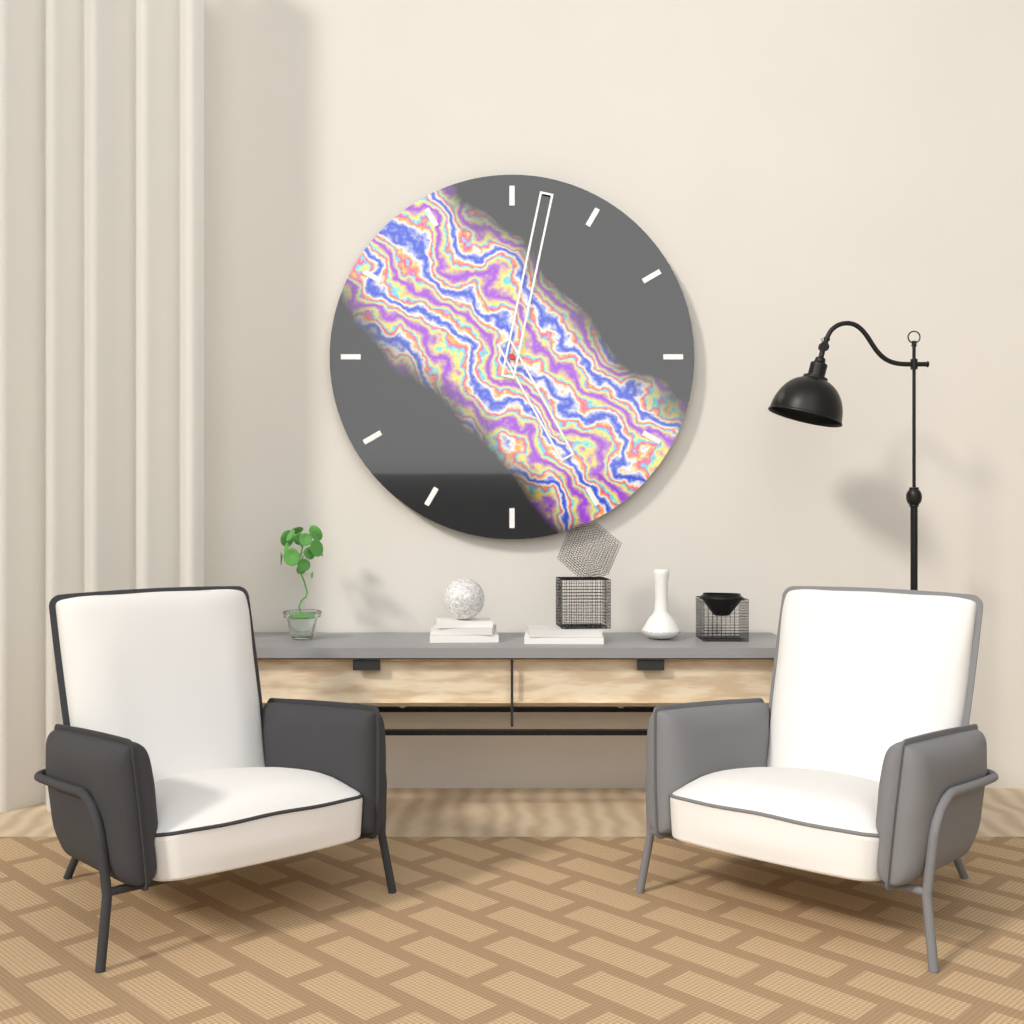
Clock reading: 5.02
